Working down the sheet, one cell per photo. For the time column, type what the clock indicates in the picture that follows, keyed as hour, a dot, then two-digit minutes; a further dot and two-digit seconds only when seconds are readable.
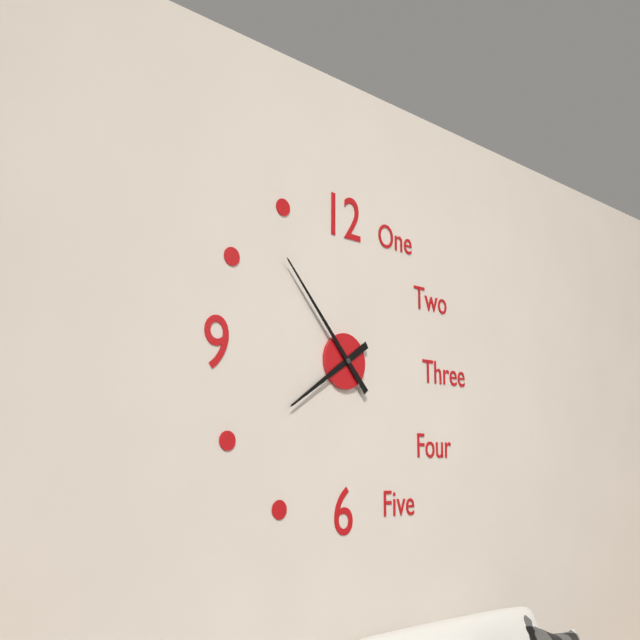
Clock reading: 7.53
